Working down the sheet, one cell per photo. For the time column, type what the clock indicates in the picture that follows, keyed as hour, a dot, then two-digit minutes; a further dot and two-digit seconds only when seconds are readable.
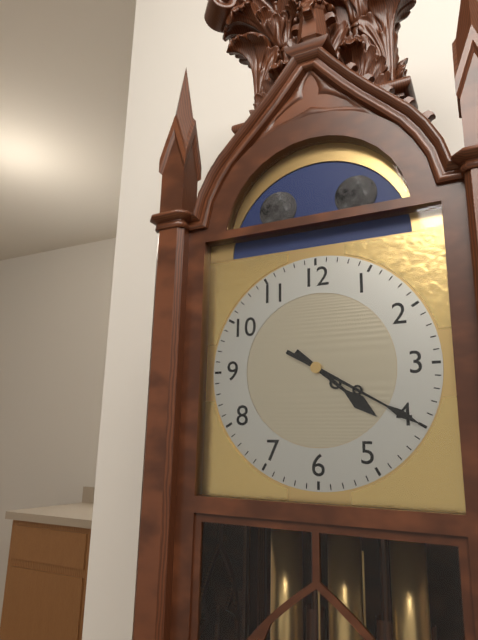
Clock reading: 4.20
